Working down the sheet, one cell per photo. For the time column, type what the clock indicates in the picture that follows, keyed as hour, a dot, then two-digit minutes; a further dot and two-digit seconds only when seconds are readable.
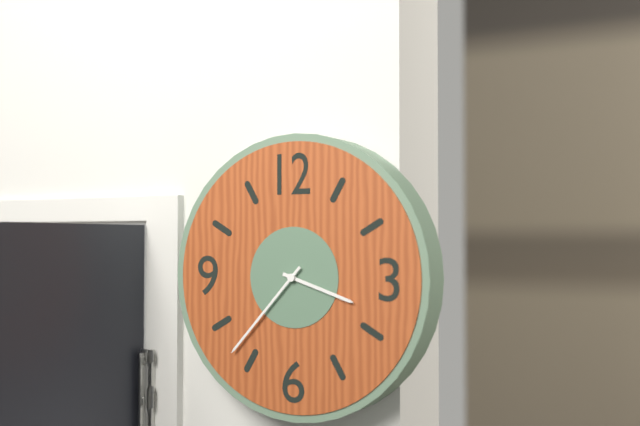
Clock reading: 3.37
